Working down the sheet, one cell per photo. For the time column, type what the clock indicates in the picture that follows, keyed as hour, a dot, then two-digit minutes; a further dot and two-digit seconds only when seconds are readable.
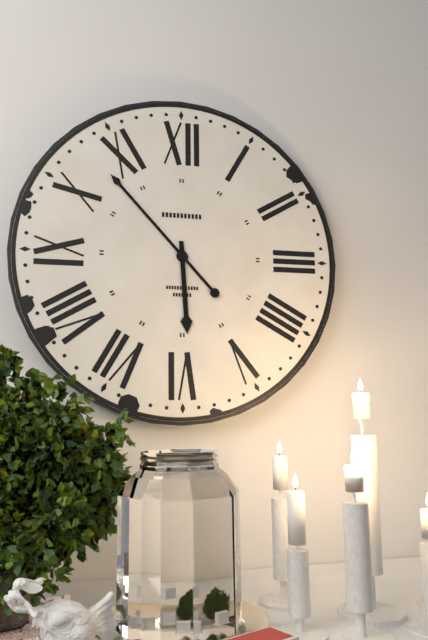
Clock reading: 5.53
